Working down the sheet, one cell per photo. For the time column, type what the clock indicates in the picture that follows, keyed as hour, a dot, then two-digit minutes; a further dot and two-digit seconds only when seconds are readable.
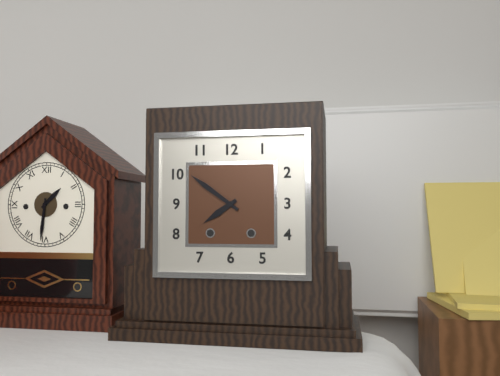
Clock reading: 7.51
